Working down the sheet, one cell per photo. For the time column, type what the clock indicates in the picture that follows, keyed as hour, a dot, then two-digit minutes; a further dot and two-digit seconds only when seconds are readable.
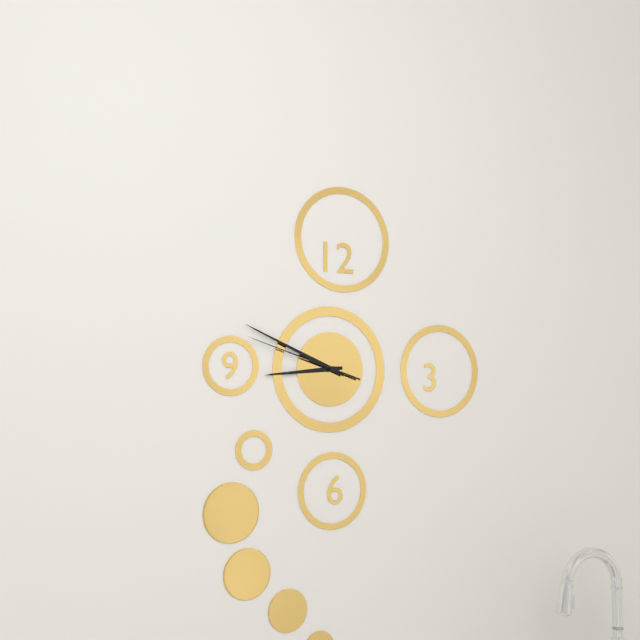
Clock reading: 8.49.48
